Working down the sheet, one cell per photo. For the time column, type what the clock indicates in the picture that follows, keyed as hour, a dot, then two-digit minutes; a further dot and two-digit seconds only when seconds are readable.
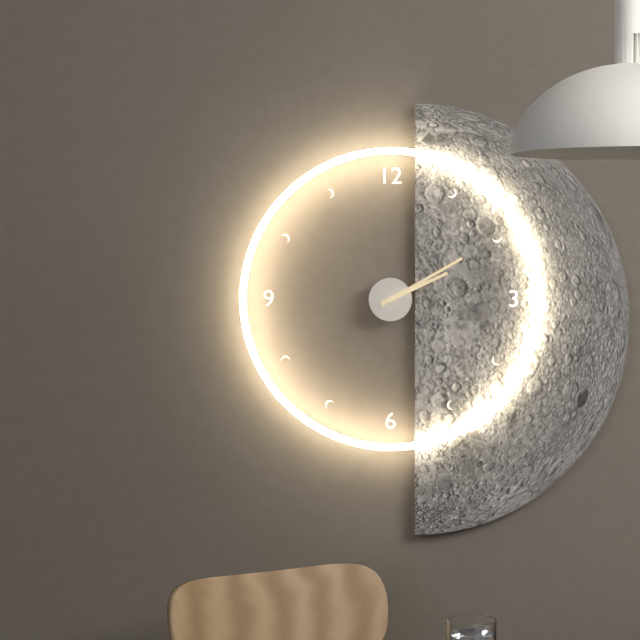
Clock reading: 2.10
